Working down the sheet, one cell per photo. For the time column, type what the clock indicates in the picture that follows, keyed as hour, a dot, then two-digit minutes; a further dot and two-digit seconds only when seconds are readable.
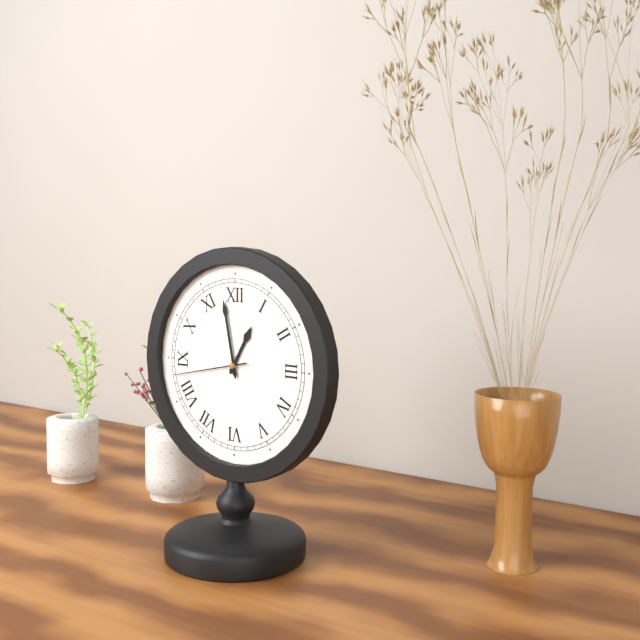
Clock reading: 12.58.43
